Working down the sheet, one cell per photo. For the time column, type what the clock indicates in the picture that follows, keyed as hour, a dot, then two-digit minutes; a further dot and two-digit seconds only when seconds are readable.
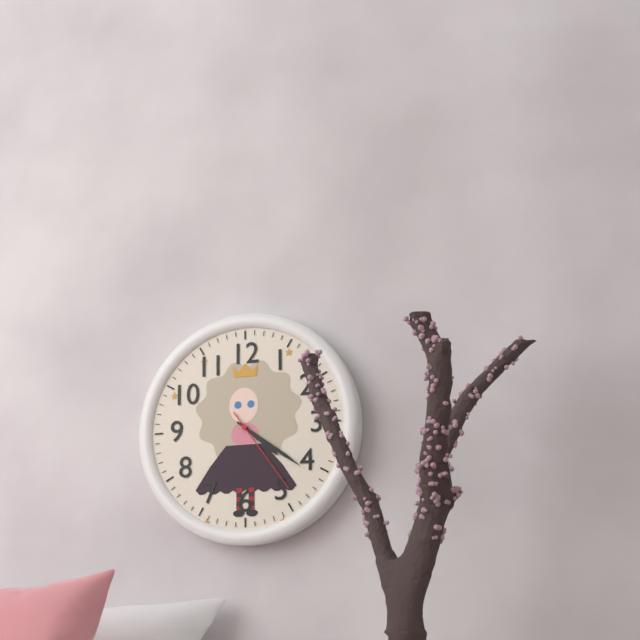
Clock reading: 4.21.24
